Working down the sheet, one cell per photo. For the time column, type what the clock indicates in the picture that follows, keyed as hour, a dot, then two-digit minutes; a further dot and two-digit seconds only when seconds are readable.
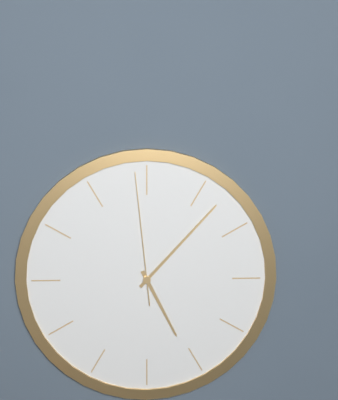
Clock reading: 5.07.59
